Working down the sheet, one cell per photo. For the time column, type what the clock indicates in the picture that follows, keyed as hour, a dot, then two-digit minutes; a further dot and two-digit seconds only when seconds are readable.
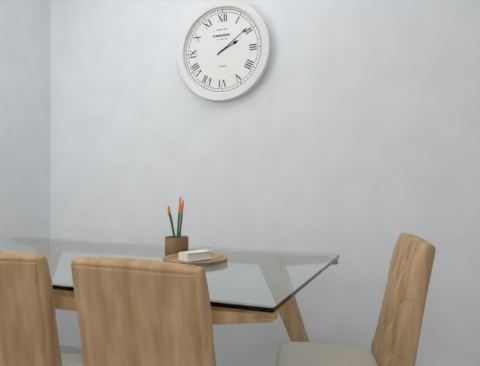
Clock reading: 2.09
